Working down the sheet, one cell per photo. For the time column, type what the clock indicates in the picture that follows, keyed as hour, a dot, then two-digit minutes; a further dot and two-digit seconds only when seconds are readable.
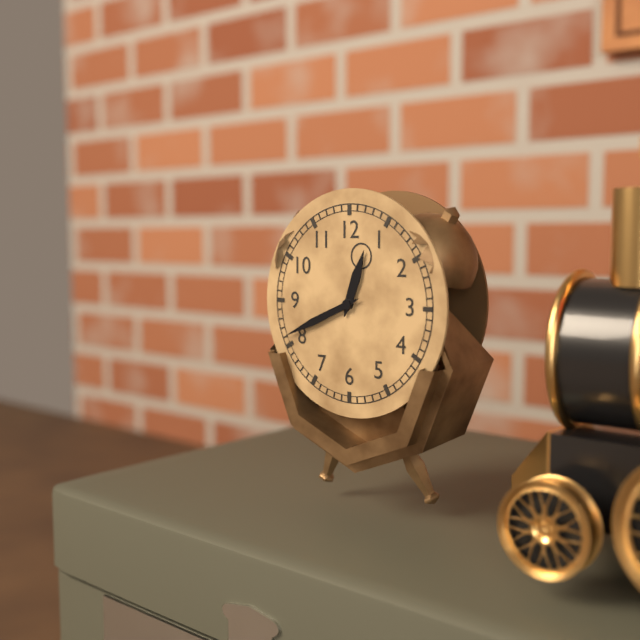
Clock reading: 12.41
